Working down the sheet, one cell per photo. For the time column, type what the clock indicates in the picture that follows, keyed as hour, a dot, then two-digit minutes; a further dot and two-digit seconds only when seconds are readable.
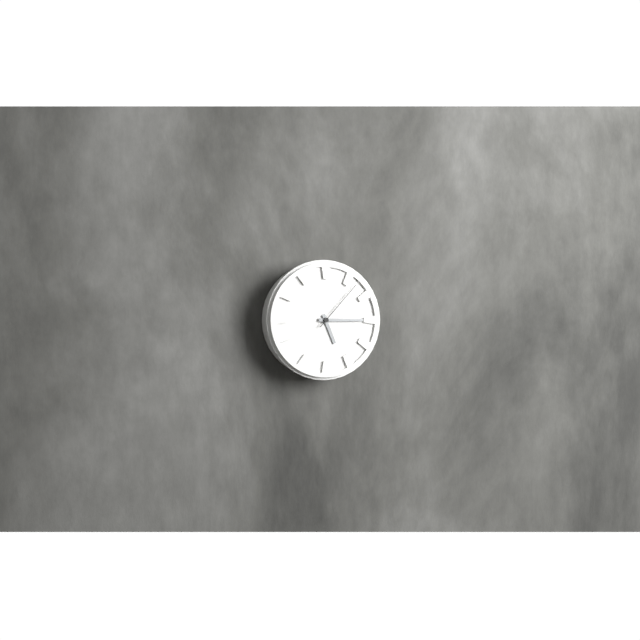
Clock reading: 5.15.07
